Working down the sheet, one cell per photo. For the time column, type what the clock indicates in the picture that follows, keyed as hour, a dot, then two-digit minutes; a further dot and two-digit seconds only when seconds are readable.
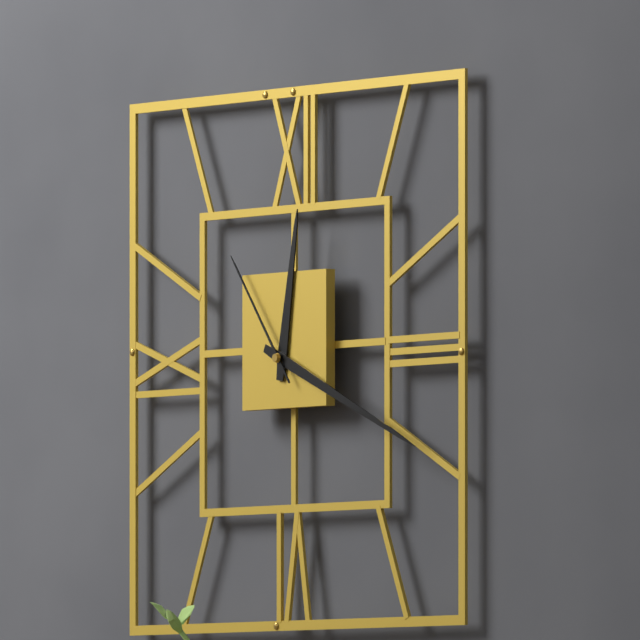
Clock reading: 12.19.54
